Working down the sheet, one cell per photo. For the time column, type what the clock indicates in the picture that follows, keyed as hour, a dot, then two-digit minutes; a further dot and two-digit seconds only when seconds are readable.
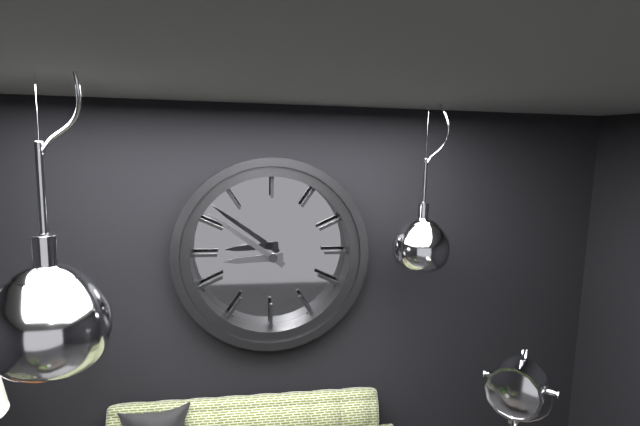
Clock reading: 8.51
